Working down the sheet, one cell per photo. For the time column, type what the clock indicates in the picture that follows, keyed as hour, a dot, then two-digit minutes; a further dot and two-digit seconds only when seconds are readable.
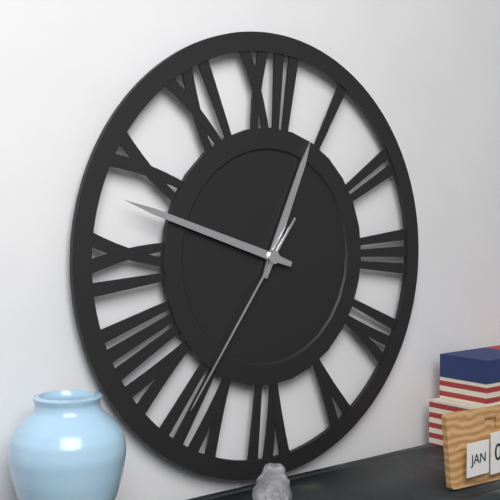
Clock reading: 12.48.36
